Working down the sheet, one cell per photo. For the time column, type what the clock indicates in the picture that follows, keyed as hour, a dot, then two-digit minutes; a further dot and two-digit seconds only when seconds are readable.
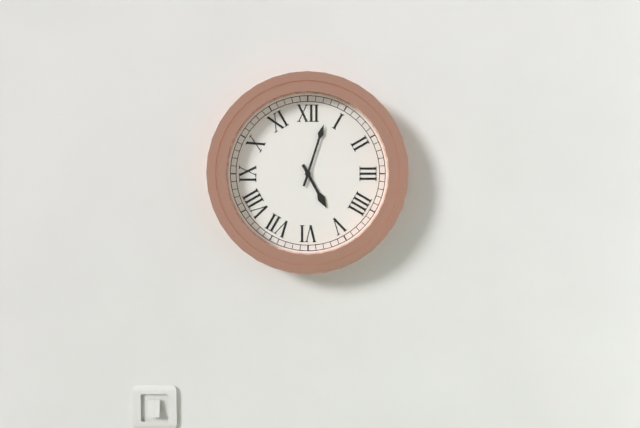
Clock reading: 5.03
